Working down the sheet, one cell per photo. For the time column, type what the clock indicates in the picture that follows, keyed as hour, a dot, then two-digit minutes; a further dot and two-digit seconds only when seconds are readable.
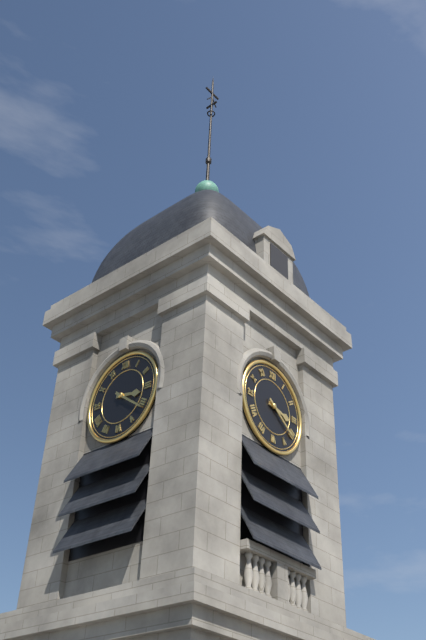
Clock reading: 3.21
